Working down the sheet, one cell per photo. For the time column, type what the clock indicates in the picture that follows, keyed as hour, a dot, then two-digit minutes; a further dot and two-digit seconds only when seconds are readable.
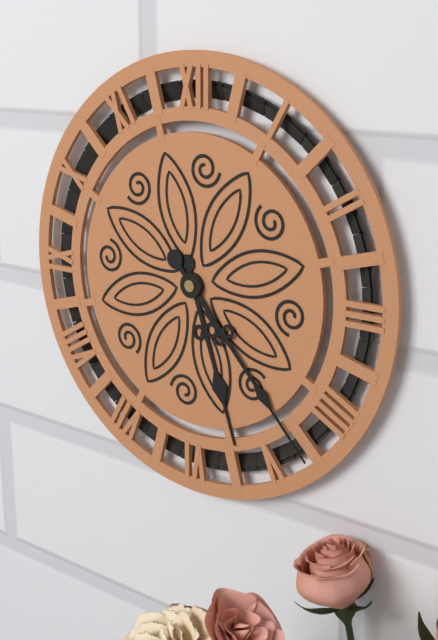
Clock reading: 5.23
